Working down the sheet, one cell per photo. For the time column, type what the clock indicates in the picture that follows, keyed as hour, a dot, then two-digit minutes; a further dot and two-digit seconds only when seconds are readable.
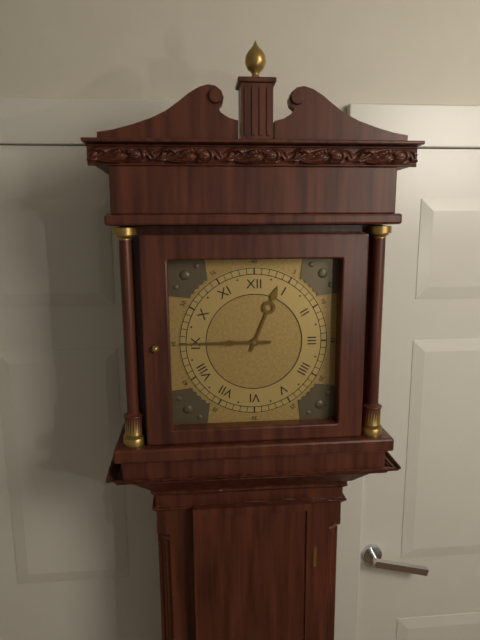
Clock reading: 12.45
